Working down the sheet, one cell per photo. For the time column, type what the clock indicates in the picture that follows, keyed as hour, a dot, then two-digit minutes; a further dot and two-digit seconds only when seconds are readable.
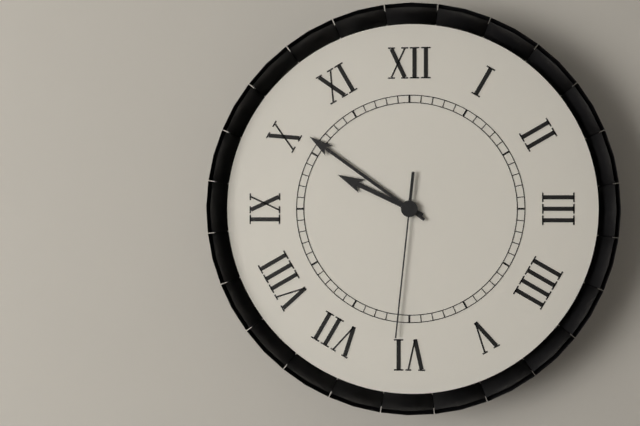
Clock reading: 9.51.31
